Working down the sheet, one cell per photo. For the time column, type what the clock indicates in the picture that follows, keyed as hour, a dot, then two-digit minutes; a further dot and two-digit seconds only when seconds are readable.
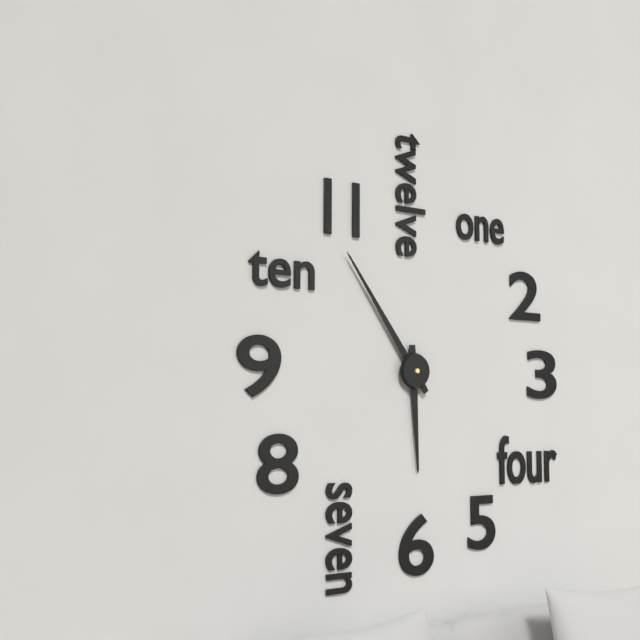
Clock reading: 5.54
